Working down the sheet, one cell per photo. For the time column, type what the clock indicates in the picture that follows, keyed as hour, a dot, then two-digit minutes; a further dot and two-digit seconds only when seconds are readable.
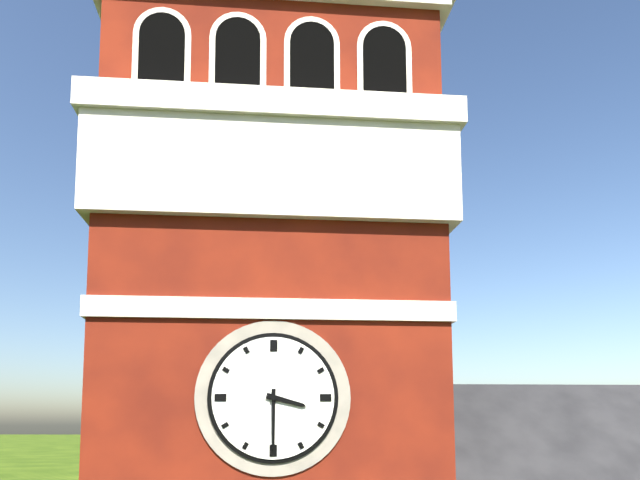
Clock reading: 3.30
